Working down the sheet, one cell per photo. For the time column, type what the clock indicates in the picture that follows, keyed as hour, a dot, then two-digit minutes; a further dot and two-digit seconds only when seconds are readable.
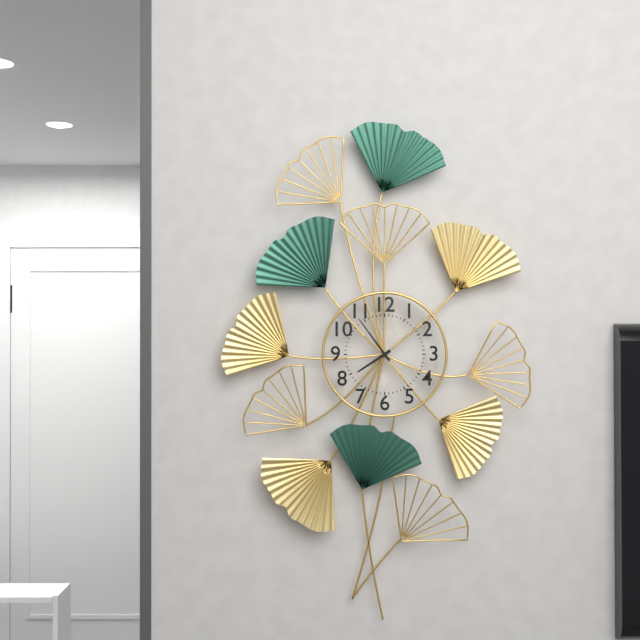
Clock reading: 7.54
